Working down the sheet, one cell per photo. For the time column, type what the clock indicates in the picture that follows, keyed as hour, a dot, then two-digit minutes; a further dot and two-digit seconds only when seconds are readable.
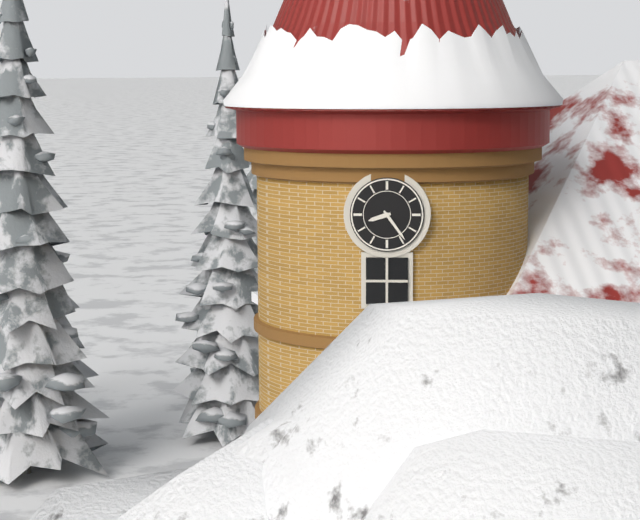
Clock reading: 8.24
